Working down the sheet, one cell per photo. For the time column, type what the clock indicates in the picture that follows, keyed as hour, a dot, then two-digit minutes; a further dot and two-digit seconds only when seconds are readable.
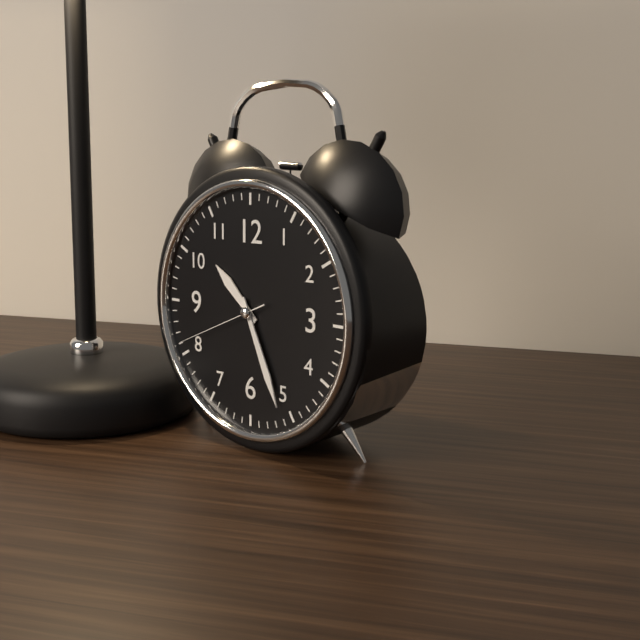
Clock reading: 10.26.41
